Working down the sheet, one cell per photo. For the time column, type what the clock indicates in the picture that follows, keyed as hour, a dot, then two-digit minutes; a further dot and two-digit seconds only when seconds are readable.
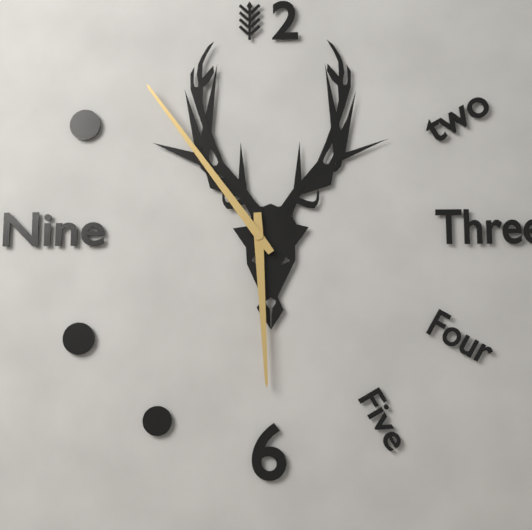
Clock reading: 5.54
